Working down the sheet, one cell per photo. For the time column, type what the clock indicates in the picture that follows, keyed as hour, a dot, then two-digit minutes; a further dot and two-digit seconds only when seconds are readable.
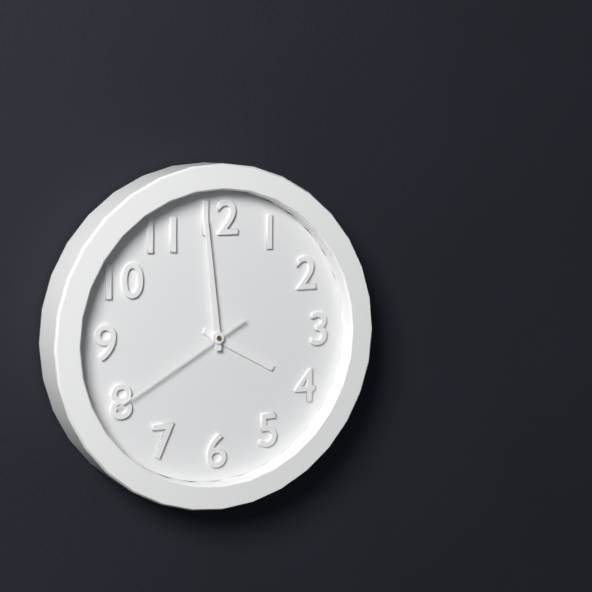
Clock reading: 3.59.40
